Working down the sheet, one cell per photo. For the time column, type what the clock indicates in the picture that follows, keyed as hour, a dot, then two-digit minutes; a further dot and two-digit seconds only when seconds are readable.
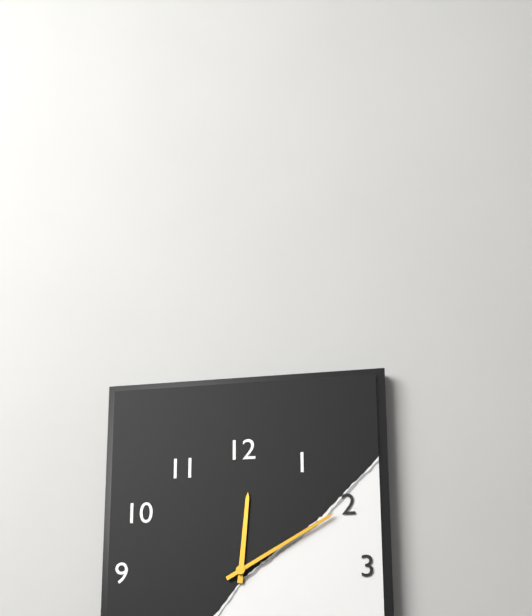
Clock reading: 12.10
